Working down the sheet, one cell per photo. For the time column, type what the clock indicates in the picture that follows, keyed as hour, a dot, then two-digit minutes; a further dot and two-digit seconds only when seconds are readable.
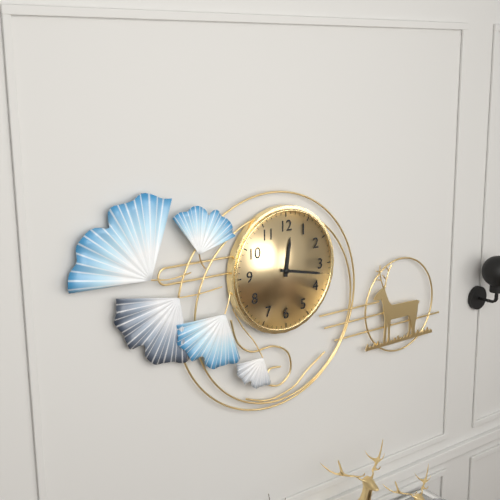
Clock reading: 12.17
